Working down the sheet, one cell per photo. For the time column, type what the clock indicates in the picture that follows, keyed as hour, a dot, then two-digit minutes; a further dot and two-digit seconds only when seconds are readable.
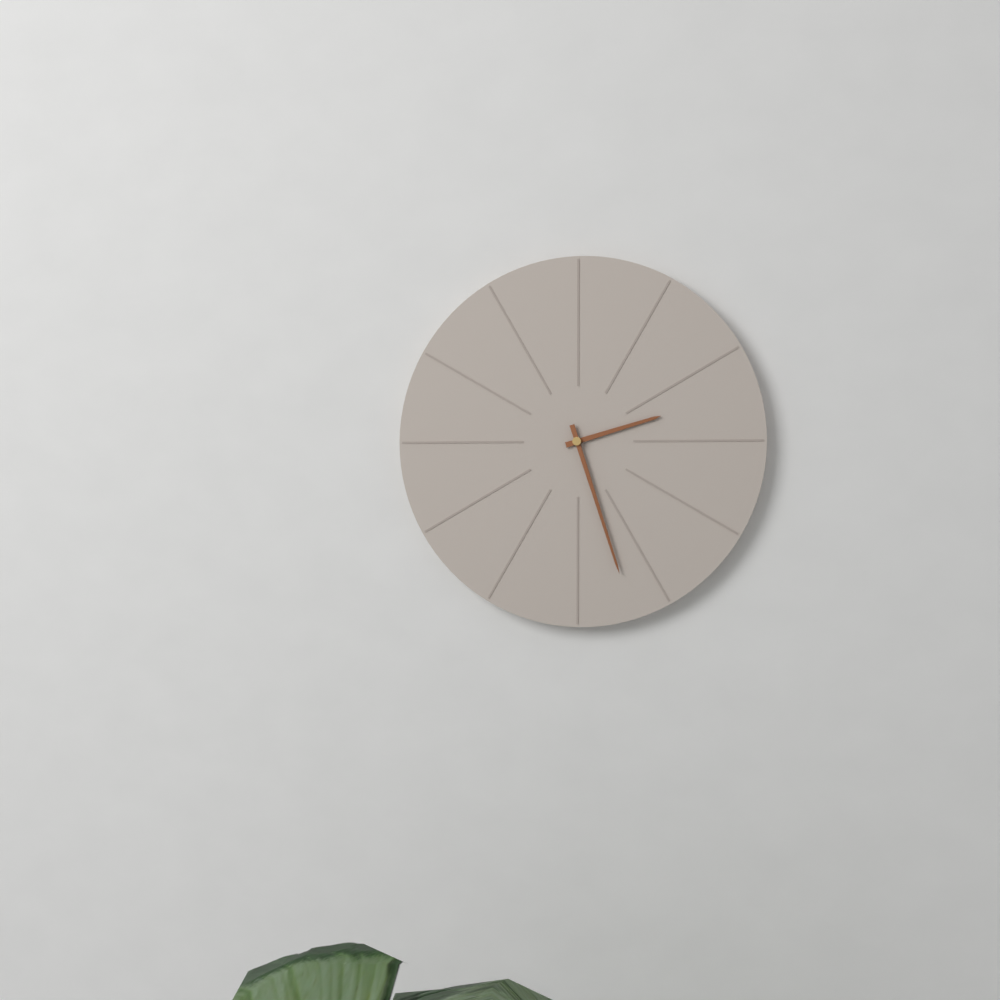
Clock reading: 2.27
